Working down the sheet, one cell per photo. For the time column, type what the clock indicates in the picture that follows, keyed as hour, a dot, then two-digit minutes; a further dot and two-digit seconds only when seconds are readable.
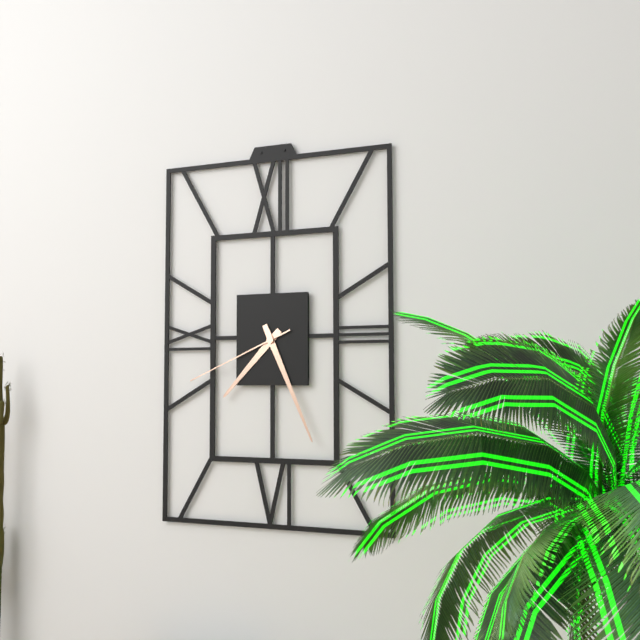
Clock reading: 7.26.41
